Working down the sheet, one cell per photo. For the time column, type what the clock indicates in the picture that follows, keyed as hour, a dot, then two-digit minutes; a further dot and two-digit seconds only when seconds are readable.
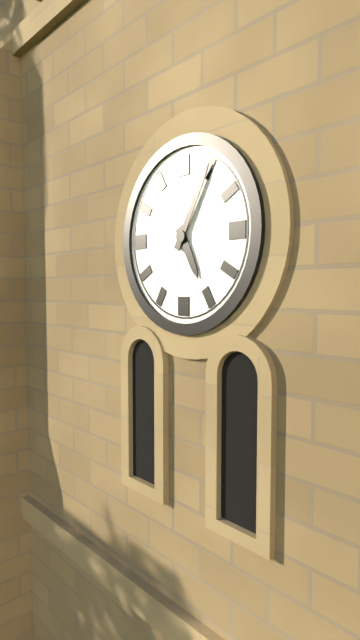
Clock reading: 5.05
